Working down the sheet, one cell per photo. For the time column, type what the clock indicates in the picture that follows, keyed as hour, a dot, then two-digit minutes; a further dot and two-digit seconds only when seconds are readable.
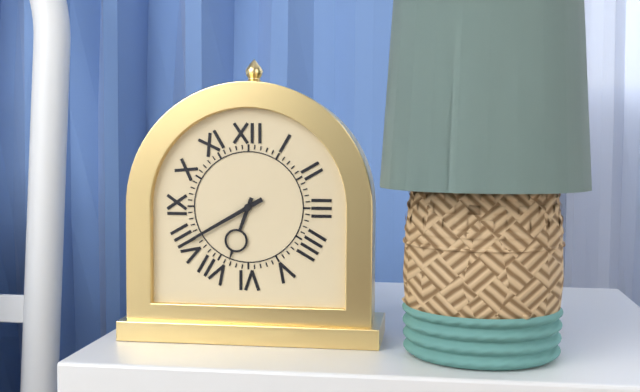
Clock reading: 6.40
